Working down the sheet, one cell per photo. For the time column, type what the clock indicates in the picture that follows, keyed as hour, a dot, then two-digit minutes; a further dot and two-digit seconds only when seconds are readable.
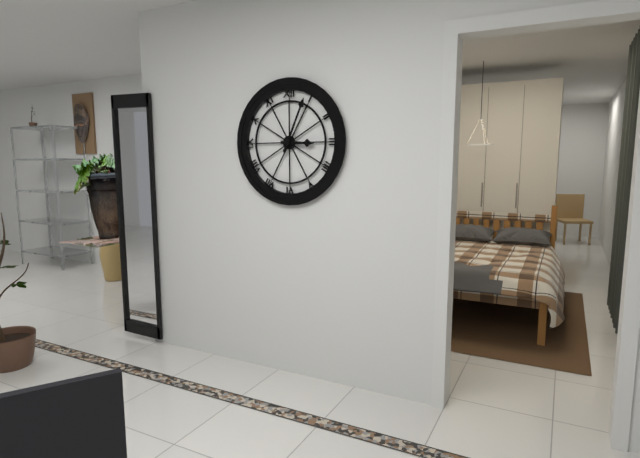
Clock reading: 3.04
